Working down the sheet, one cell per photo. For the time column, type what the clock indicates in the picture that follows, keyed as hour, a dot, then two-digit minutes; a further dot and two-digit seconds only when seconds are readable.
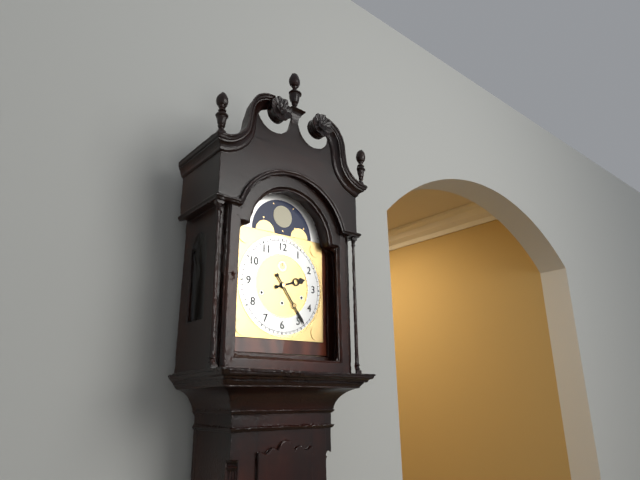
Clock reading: 2.24
